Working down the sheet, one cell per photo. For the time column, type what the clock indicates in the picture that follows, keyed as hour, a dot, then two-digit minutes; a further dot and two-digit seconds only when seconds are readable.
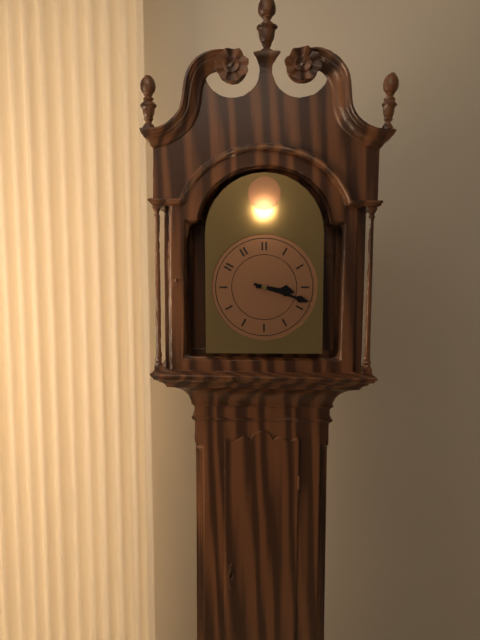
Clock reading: 3.18
